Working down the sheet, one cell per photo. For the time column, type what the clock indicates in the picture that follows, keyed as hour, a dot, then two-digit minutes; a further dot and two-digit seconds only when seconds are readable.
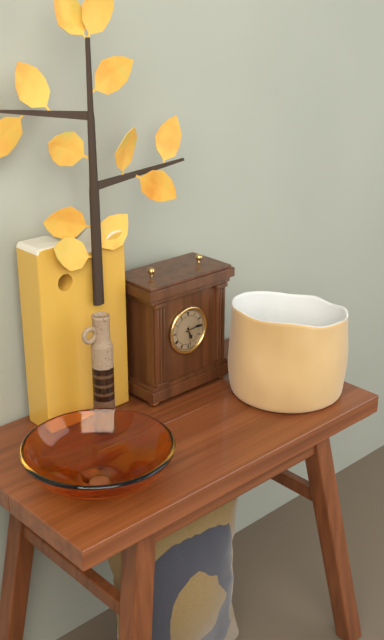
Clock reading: 5.14
